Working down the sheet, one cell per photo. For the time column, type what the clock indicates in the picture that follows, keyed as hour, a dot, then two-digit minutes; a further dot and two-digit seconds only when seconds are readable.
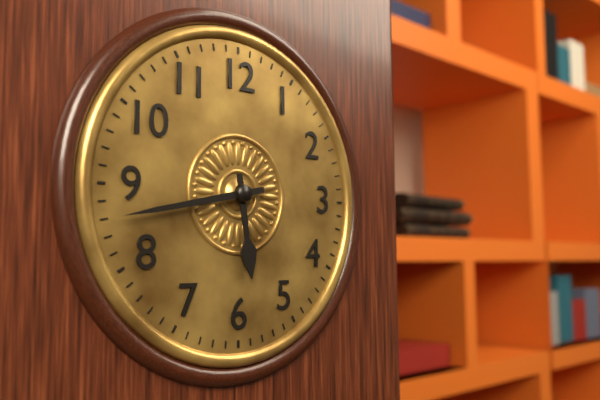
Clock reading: 5.43
